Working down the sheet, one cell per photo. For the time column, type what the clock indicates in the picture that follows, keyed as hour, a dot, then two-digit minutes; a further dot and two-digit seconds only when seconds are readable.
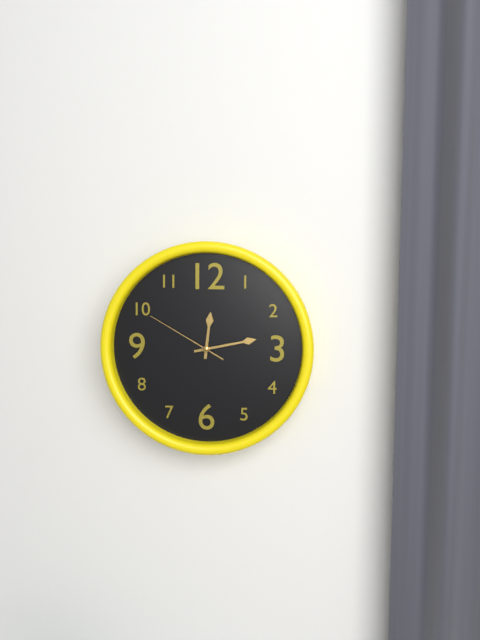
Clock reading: 12.13.50
